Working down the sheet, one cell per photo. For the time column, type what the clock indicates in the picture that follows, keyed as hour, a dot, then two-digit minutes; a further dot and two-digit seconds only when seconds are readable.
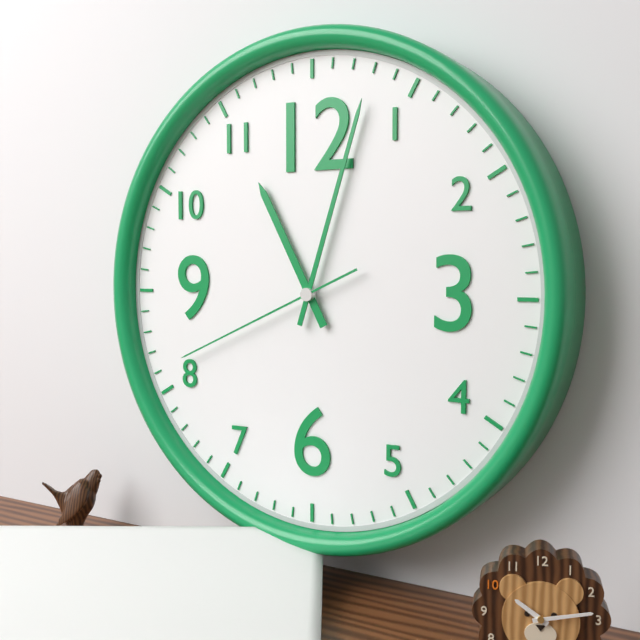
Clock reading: 11.03.41
